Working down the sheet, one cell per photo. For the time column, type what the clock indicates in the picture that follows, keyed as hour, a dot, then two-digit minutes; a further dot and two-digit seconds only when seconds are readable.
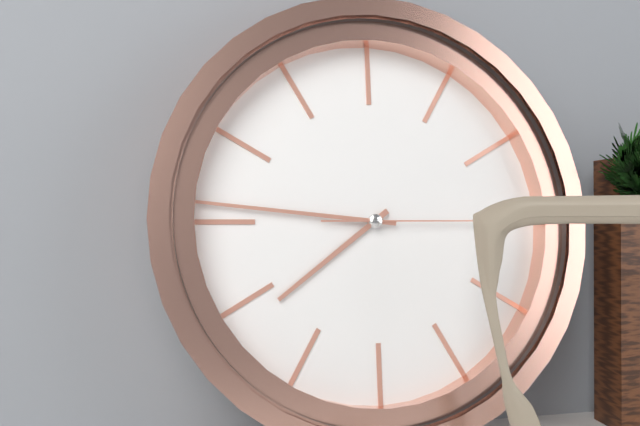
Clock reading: 7.46
